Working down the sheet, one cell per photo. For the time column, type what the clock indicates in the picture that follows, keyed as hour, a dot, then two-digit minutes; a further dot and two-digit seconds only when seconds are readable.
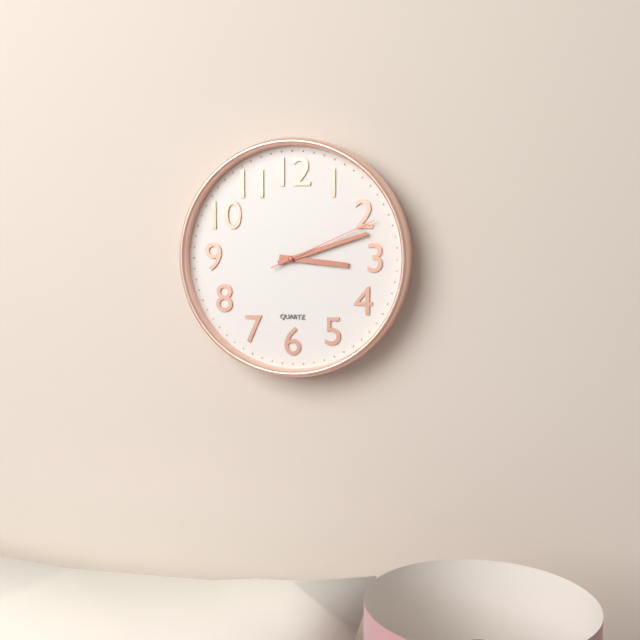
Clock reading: 3.12.11
